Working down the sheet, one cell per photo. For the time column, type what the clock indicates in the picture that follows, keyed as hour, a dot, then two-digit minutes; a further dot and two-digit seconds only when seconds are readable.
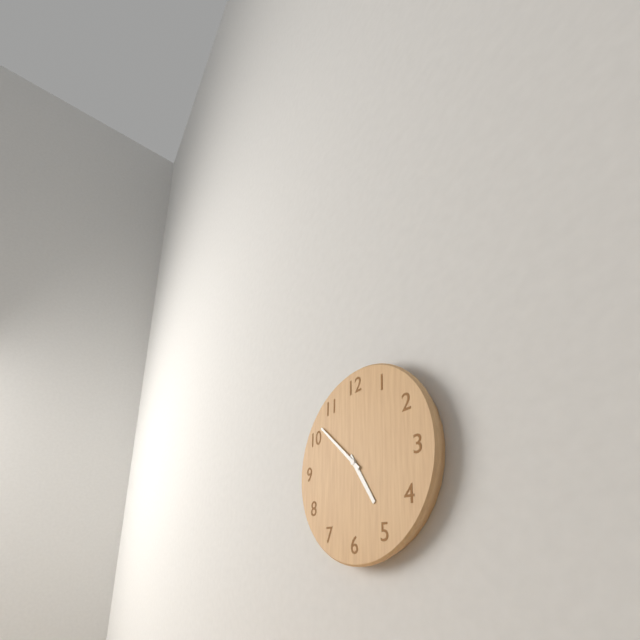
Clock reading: 4.52
